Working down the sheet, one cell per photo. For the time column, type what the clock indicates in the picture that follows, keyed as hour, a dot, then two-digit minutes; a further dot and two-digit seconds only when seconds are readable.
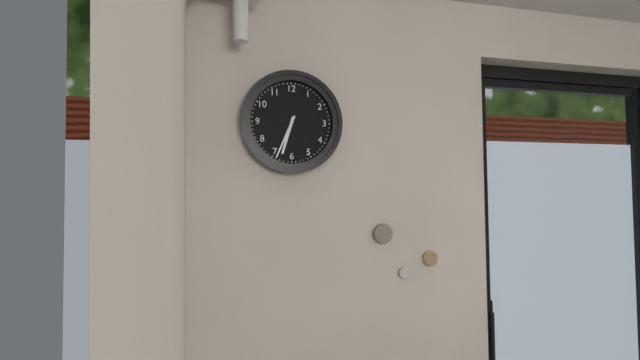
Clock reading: 6.34
